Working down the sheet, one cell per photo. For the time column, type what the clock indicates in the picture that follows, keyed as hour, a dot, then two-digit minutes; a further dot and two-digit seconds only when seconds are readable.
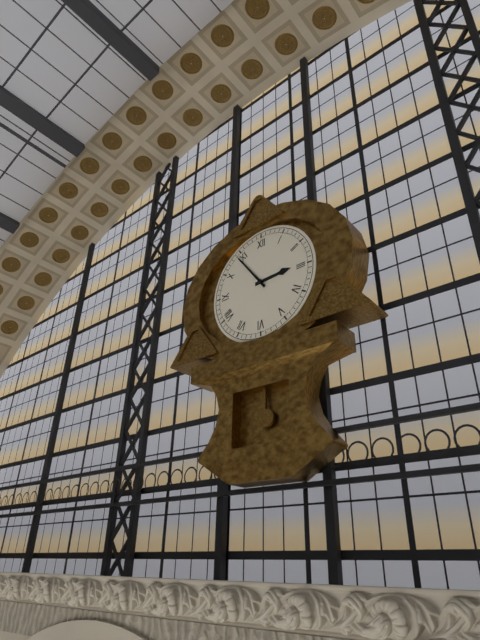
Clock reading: 2.54
